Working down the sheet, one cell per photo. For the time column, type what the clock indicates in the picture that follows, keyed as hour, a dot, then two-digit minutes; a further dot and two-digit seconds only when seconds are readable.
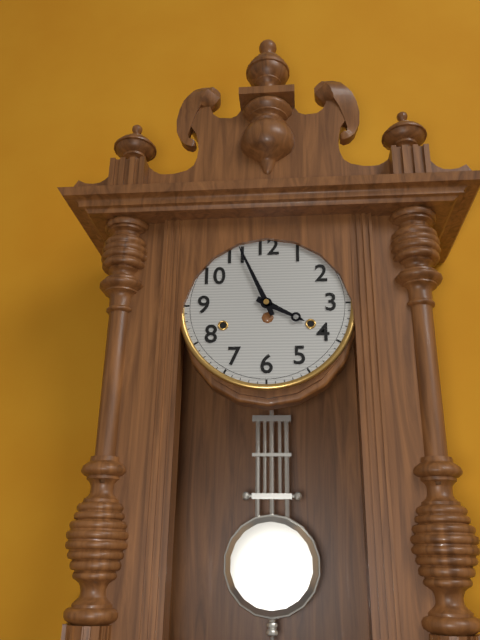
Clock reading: 3.56
